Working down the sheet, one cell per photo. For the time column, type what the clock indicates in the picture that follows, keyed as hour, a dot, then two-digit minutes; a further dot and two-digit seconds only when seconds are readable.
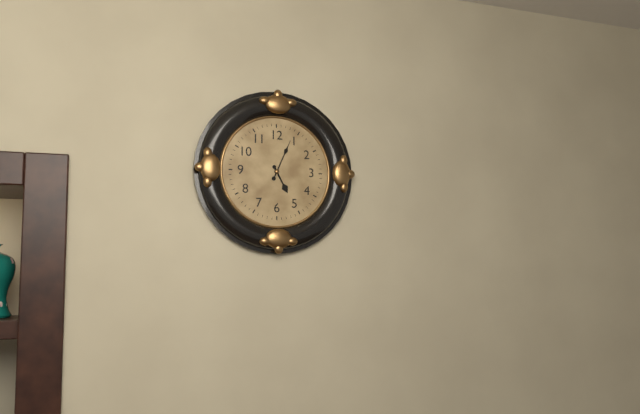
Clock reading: 5.04
